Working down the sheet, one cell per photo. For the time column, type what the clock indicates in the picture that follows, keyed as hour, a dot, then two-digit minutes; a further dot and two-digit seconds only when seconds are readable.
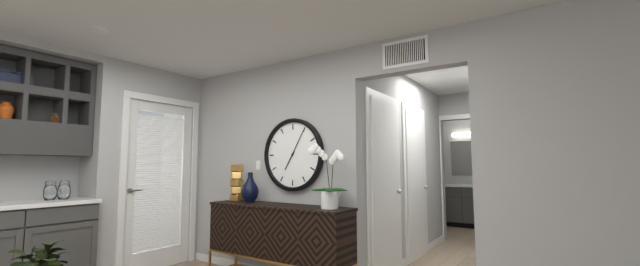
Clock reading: 7.05
